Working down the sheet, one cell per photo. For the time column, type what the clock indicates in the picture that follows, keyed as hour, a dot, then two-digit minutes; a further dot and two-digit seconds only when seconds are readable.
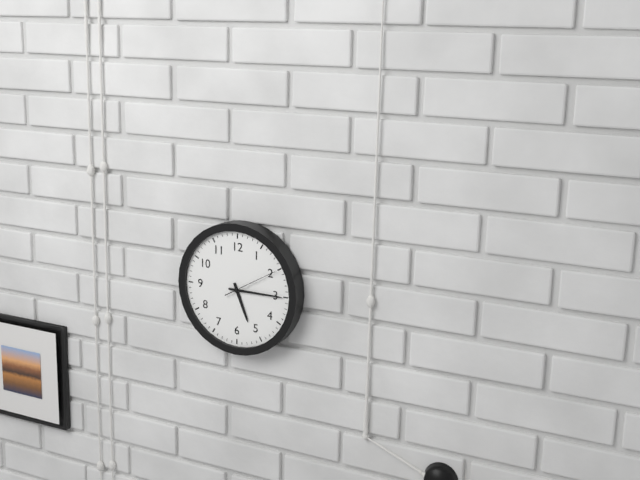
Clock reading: 5.15.10
